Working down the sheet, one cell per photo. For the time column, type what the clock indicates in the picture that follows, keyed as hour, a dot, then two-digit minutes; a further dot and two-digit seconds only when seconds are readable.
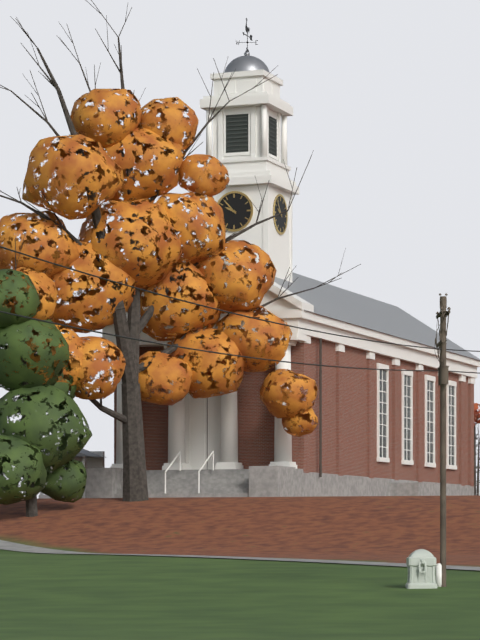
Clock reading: 9.53
